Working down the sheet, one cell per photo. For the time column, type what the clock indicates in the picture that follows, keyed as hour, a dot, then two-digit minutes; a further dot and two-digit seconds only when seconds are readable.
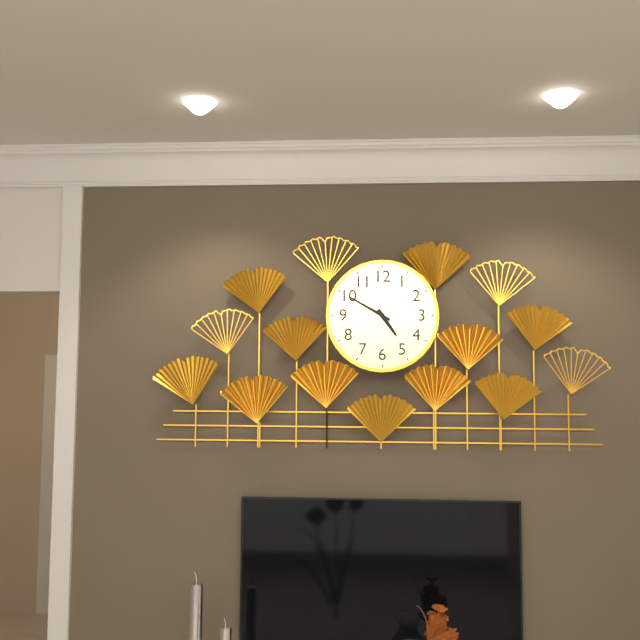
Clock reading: 4.50
